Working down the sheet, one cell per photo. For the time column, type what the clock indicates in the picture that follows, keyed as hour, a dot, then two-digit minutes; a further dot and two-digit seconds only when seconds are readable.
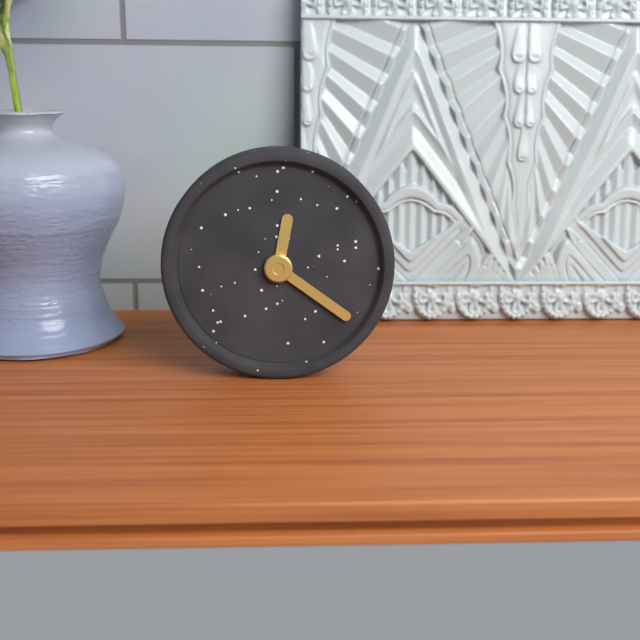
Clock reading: 12.21
